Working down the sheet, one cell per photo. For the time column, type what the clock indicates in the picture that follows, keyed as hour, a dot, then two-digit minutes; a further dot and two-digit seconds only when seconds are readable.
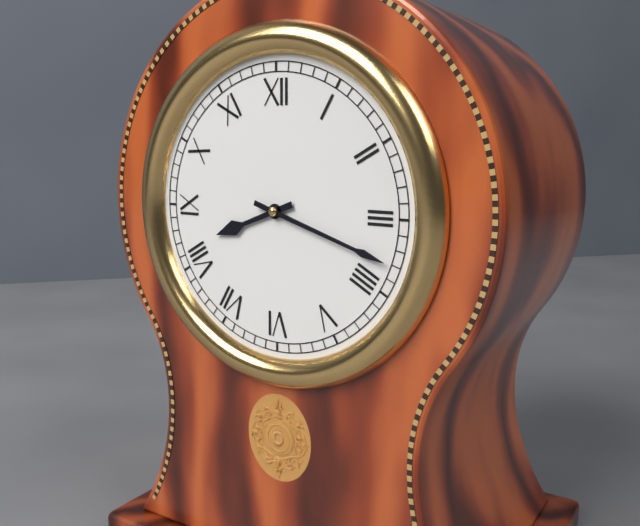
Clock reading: 8.18
